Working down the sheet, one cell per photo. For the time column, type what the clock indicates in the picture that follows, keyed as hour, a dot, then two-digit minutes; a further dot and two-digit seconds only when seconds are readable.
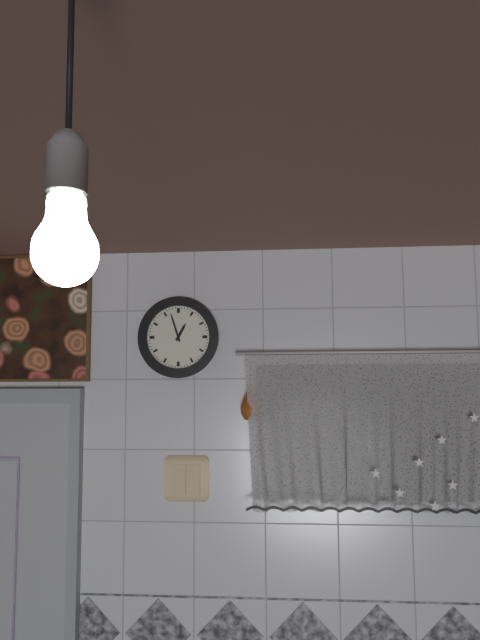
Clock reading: 12.57
